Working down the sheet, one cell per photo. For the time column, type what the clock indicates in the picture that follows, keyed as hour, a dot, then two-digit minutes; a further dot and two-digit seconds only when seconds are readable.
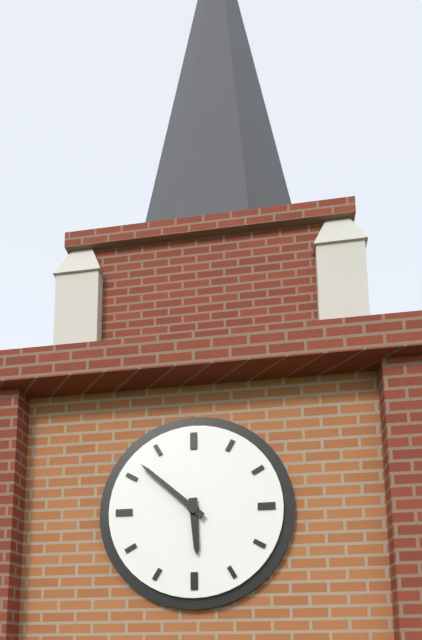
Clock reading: 5.52
